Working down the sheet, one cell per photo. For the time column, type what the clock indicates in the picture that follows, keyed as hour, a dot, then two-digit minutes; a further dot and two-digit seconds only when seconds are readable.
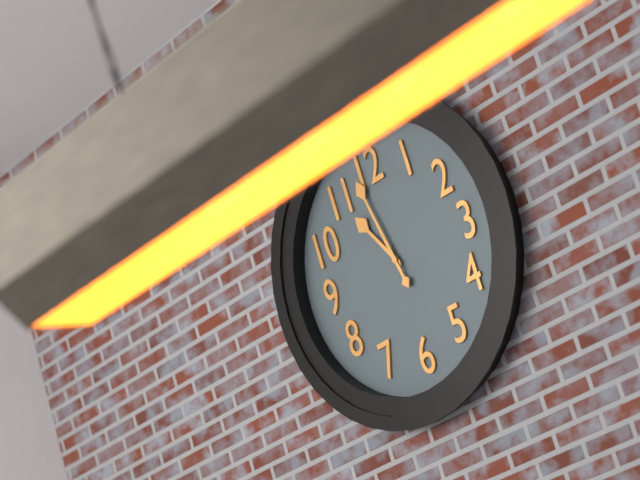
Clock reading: 10.58
